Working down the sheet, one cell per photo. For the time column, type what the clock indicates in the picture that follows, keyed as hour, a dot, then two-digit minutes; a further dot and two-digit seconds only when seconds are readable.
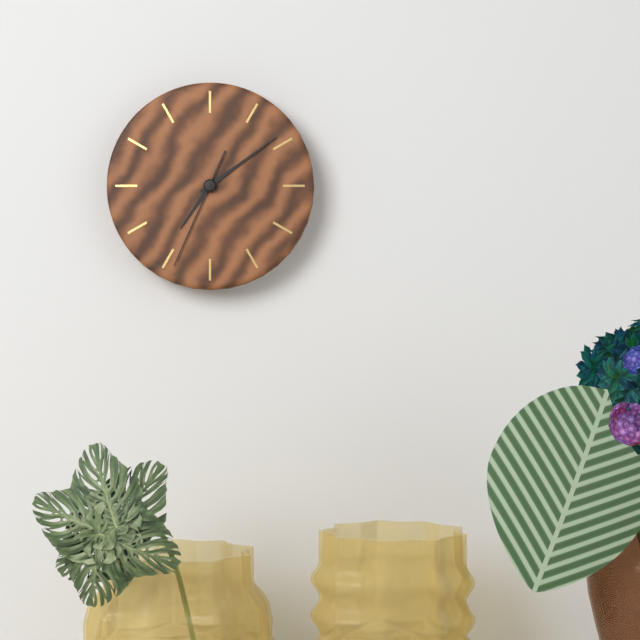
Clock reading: 7.09.34
